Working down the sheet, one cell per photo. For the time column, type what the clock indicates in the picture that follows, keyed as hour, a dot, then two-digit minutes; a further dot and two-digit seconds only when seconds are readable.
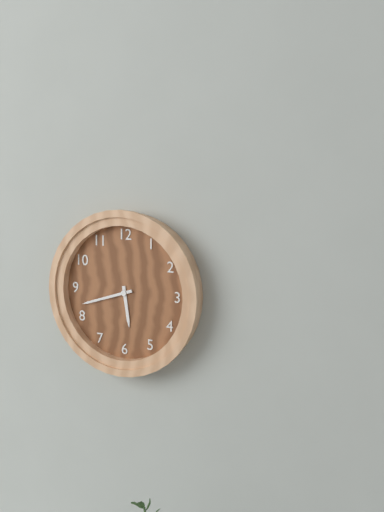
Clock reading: 5.42
